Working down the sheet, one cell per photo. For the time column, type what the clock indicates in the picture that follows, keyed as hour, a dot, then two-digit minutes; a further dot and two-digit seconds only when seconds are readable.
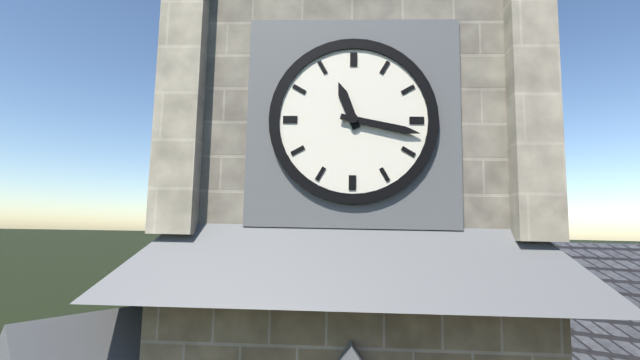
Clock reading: 11.17
